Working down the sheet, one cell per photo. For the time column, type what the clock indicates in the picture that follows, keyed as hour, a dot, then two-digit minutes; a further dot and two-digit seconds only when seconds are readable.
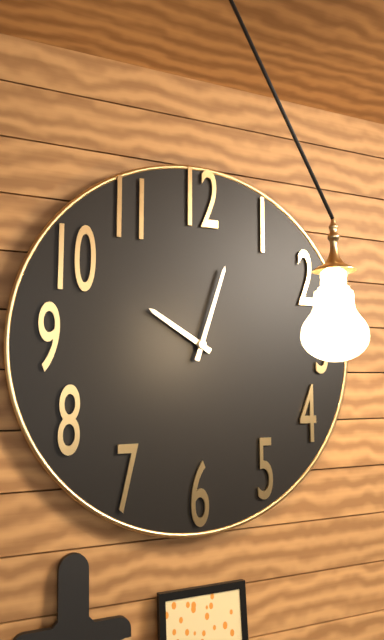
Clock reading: 10.03
